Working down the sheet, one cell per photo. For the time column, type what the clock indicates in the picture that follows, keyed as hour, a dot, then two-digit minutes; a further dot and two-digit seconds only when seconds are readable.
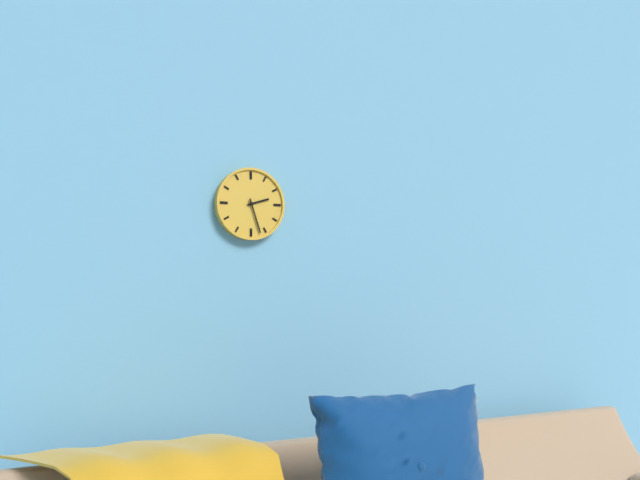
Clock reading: 2.27
